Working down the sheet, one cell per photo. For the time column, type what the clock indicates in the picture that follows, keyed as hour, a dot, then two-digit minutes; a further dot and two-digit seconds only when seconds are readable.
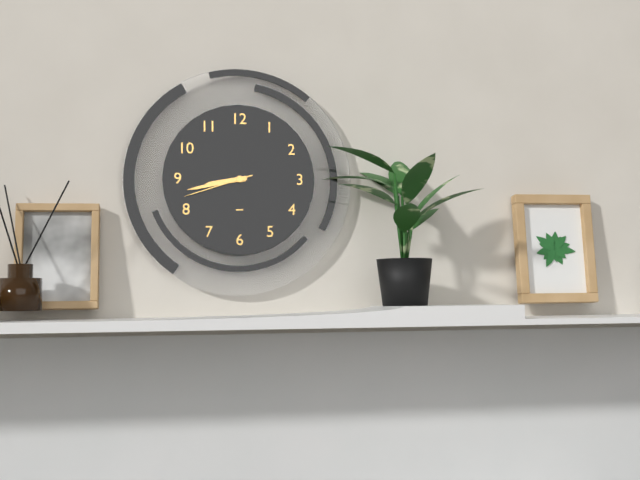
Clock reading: 8.43.42
